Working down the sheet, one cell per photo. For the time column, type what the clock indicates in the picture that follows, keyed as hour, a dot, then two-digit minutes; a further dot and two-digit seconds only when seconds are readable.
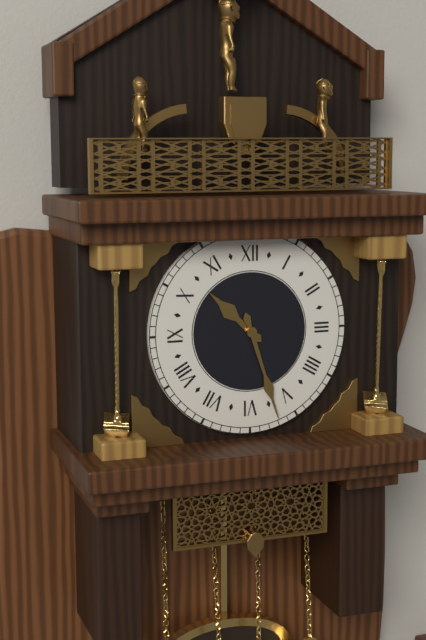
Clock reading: 10.27
